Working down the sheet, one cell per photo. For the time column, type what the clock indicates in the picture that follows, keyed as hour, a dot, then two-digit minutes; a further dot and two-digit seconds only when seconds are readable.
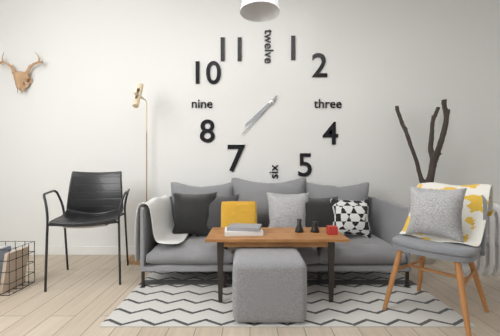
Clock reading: 7.37
